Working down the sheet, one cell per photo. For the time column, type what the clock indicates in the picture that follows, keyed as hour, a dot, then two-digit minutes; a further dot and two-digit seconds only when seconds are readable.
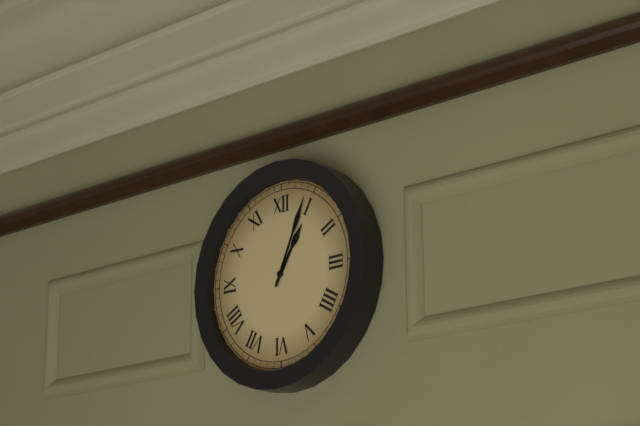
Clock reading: 1.04
